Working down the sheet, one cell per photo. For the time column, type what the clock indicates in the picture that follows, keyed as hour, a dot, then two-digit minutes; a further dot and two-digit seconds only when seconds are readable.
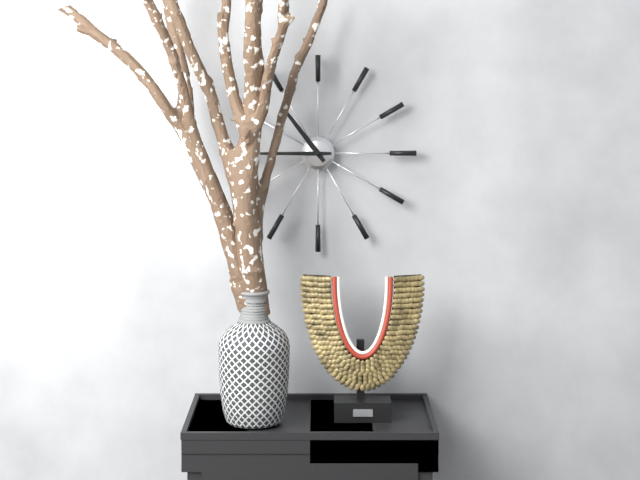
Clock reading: 10.45
